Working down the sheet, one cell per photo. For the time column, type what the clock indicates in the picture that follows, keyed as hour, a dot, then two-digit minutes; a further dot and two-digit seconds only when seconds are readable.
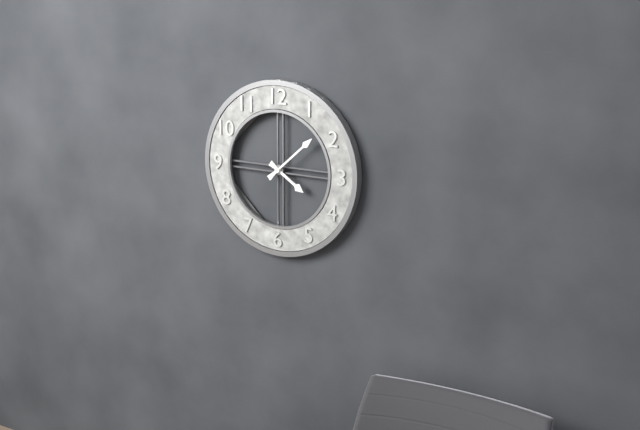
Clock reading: 4.08
